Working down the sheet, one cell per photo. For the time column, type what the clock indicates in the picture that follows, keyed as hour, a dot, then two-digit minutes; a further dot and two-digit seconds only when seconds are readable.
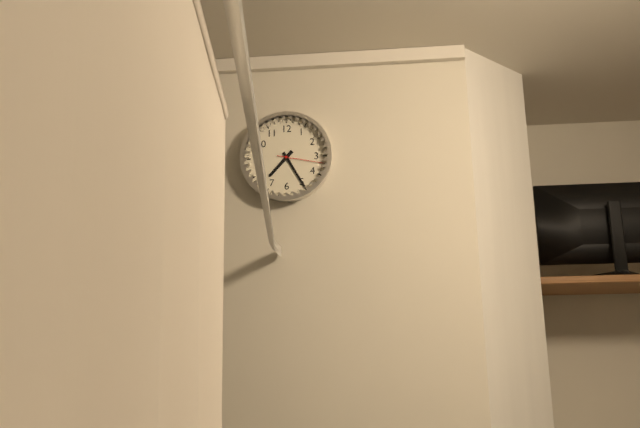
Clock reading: 7.25
